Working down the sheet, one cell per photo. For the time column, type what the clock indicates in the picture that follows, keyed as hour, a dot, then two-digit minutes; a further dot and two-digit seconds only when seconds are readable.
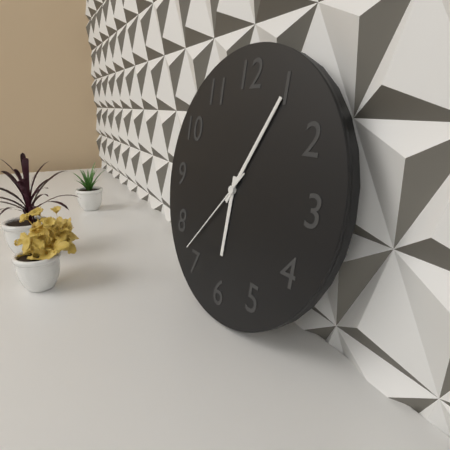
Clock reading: 6.05.37
